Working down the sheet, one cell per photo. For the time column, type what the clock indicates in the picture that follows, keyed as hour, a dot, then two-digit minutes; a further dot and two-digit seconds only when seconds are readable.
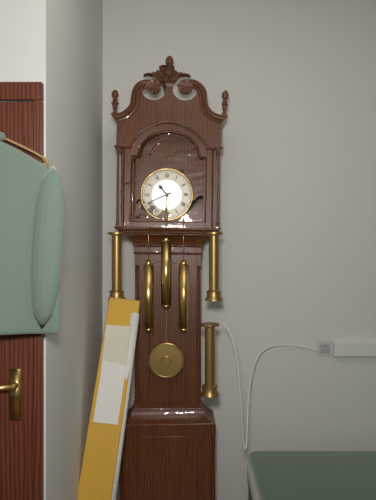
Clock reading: 10.41
